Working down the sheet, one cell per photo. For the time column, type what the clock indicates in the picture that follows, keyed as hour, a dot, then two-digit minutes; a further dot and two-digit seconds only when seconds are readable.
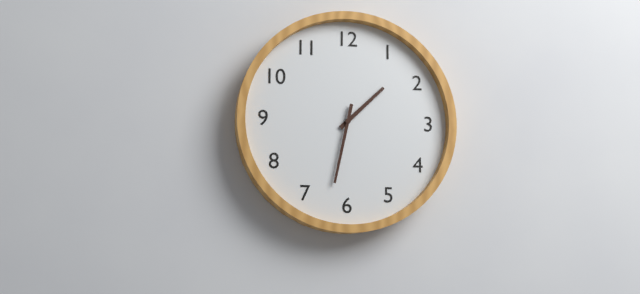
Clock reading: 1.32
